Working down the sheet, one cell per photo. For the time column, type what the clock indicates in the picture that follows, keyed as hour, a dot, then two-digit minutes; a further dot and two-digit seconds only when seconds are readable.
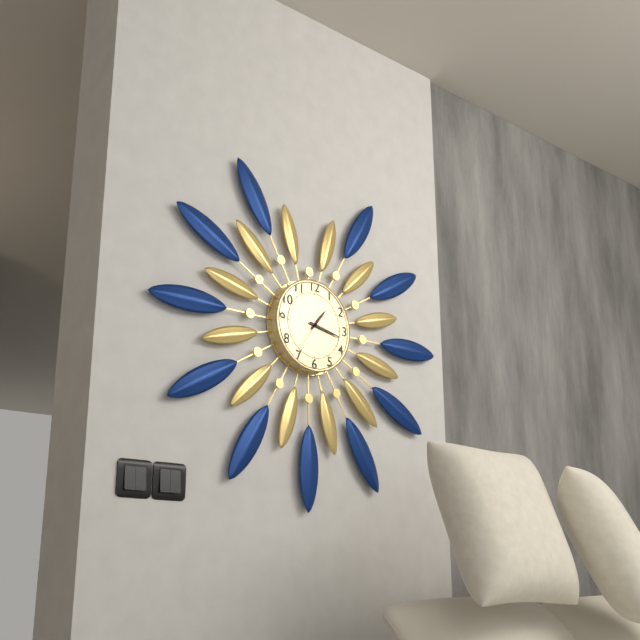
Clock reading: 1.17
